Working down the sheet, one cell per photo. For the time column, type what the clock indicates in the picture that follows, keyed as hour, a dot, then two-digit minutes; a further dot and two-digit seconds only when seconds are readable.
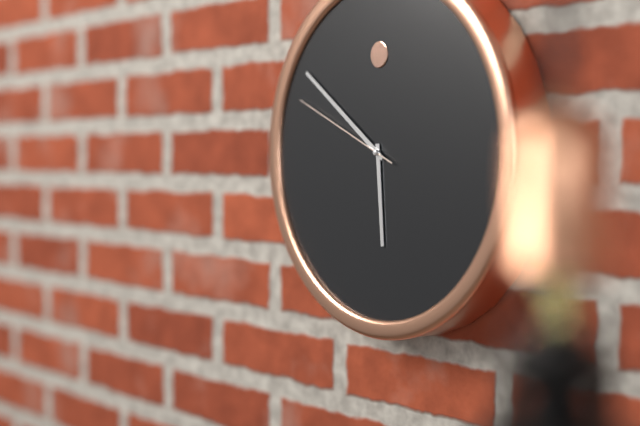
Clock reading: 5.51.49
